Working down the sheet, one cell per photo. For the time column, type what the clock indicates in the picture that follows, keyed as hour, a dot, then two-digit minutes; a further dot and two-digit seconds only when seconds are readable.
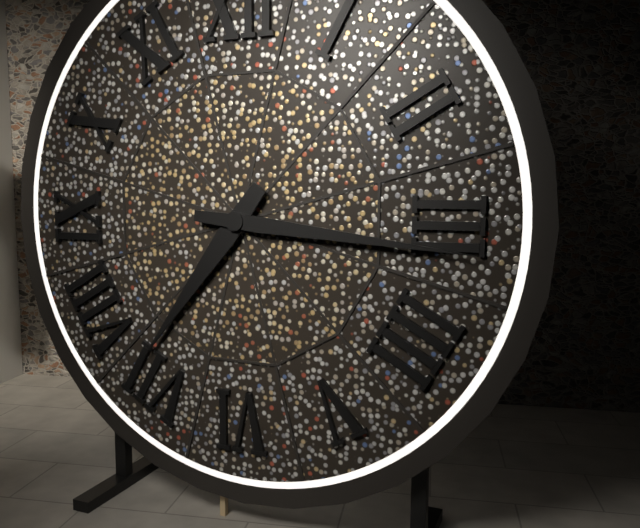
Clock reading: 7.16
